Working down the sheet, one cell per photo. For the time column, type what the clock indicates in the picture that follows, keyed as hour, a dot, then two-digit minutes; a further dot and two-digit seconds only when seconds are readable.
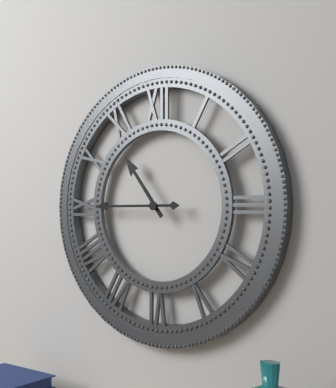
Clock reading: 10.45
